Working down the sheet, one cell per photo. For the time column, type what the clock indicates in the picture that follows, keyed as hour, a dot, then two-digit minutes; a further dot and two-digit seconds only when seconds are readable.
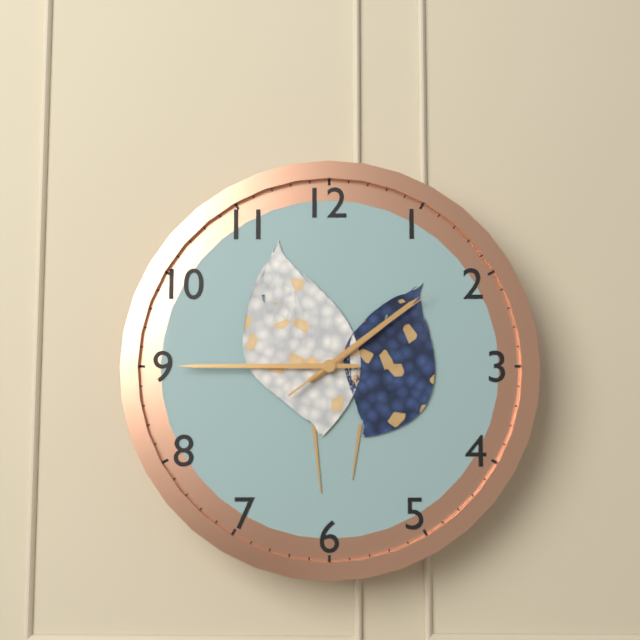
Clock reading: 1.45.09
